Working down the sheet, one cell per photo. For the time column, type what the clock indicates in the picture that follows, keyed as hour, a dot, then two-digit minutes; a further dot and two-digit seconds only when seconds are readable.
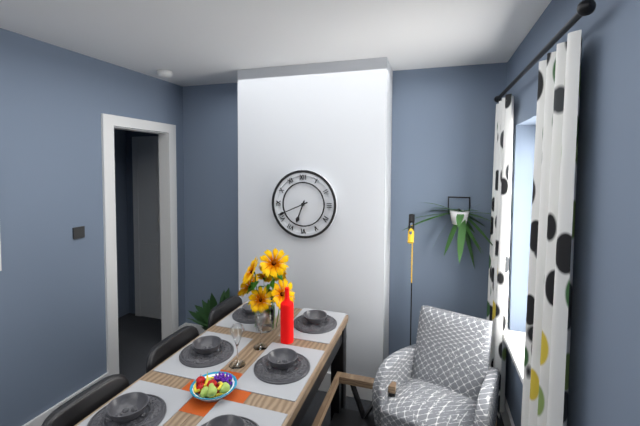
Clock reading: 6.41
